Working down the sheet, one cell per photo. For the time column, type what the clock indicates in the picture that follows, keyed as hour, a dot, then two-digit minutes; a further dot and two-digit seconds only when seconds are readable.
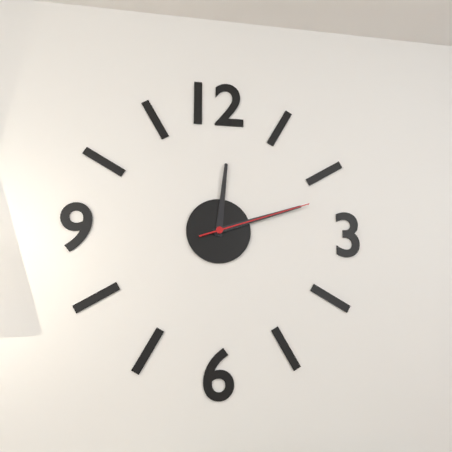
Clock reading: 12.12.12
